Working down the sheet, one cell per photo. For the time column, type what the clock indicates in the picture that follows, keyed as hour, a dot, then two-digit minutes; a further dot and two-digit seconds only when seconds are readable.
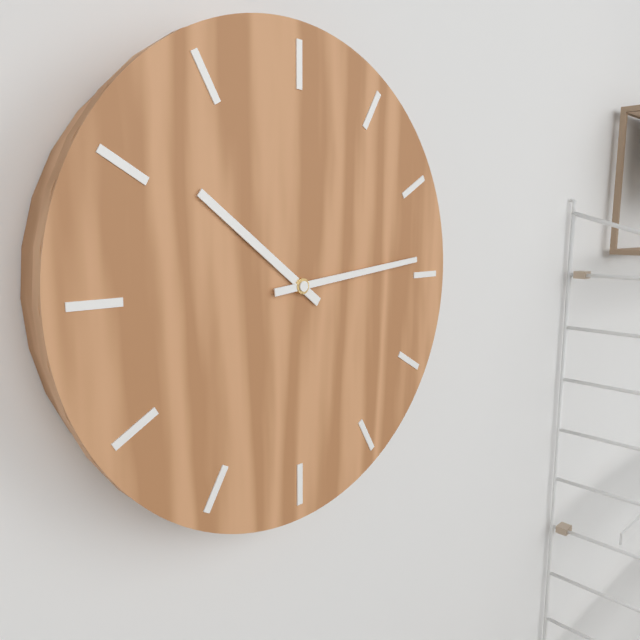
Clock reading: 10.14
